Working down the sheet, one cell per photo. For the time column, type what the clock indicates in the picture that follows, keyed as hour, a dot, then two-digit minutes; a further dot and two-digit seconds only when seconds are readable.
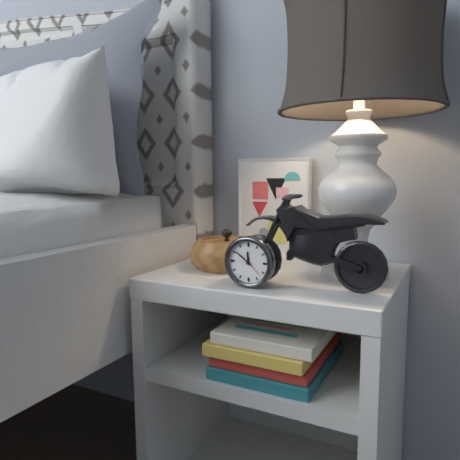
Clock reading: 11.51
